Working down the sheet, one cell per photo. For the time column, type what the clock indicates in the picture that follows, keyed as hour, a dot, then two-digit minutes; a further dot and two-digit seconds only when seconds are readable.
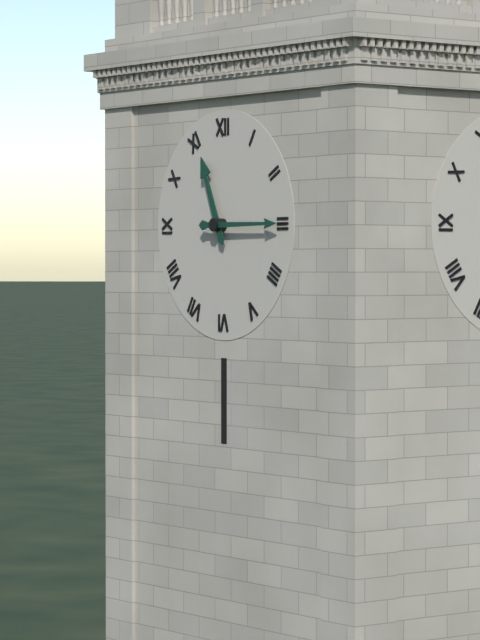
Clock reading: 11.15
